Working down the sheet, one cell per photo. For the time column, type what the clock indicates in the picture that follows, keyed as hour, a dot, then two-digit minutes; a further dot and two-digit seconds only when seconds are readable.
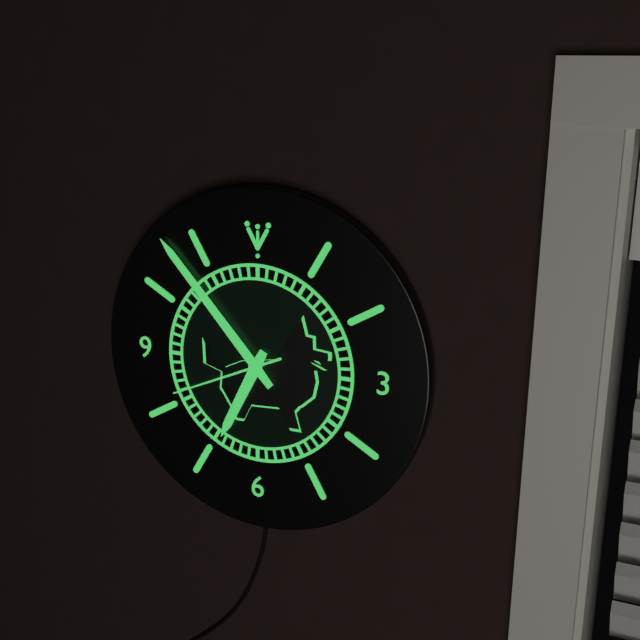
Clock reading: 6.53.41
